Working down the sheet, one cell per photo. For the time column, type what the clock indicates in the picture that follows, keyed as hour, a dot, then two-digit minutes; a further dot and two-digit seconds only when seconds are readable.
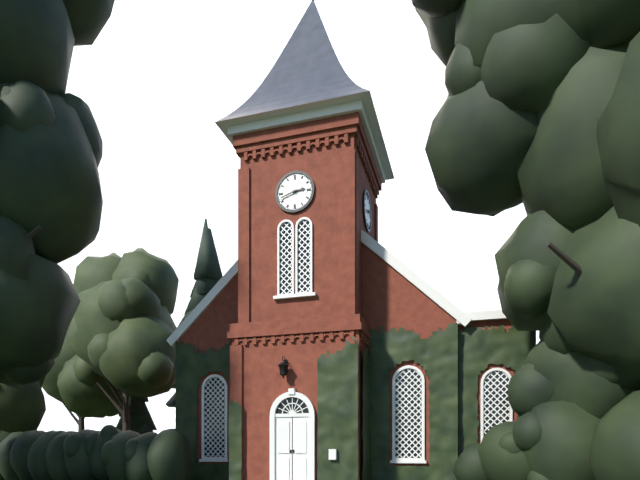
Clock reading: 2.42
